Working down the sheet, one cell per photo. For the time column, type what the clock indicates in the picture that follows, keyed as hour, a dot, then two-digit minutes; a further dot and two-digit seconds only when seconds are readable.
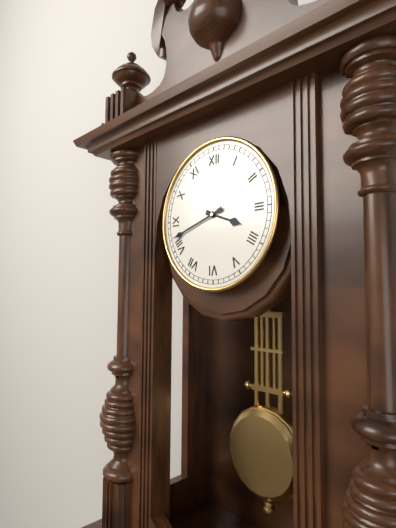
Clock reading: 3.42
